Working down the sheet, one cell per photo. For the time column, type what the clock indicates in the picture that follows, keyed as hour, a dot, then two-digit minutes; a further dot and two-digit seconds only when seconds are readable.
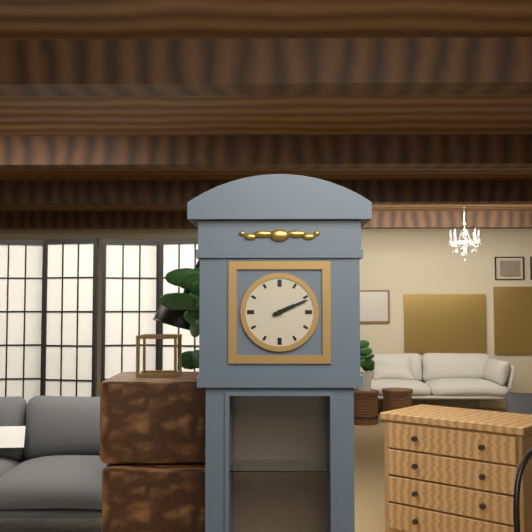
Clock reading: 2.11
